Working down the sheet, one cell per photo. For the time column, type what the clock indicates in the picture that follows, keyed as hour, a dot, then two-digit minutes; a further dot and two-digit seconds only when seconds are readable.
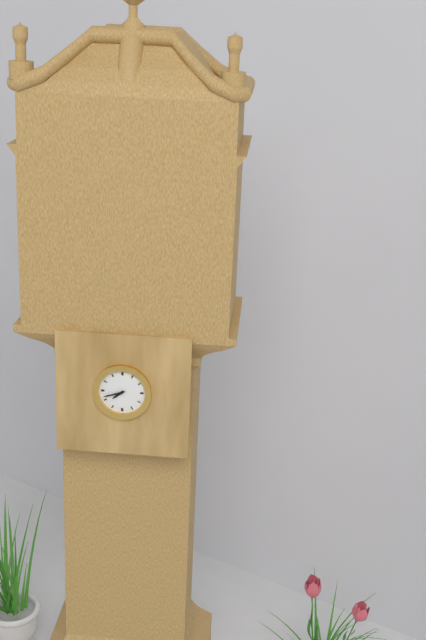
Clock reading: 7.42
